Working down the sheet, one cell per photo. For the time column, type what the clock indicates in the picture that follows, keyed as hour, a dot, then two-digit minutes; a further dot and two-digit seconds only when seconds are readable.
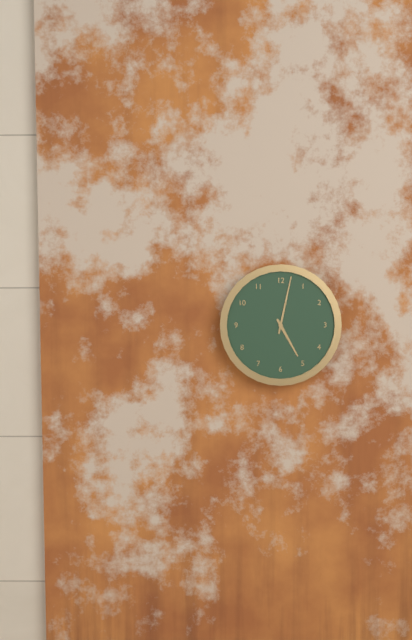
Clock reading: 5.02
